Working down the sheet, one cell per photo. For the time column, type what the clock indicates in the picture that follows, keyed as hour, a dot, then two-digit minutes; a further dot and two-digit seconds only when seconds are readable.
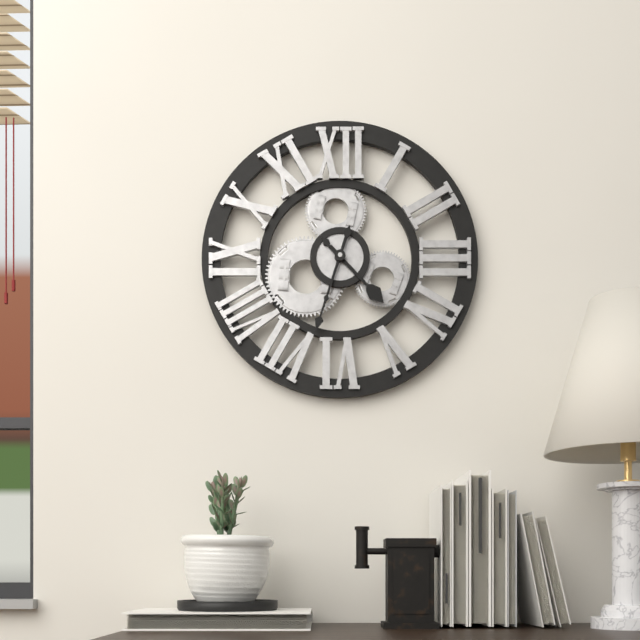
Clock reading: 4.33
